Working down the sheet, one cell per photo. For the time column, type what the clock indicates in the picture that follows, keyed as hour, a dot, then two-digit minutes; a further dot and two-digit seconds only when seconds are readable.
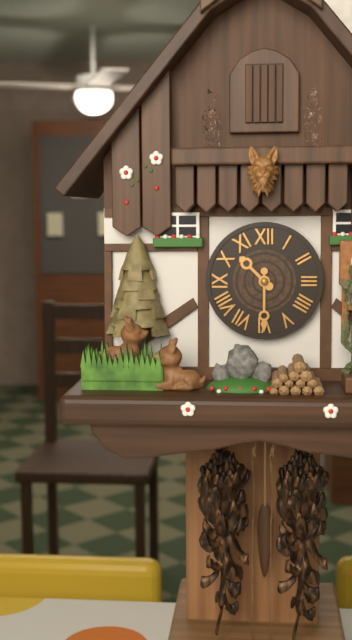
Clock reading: 10.30
